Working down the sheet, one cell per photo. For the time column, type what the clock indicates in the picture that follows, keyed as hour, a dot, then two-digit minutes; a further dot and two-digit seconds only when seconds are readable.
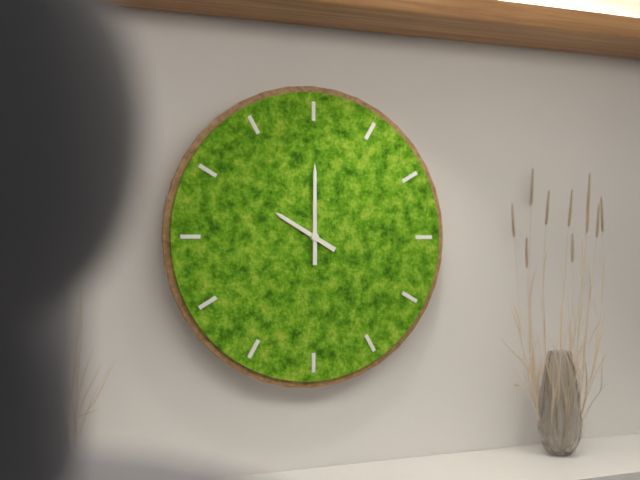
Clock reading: 10.00
